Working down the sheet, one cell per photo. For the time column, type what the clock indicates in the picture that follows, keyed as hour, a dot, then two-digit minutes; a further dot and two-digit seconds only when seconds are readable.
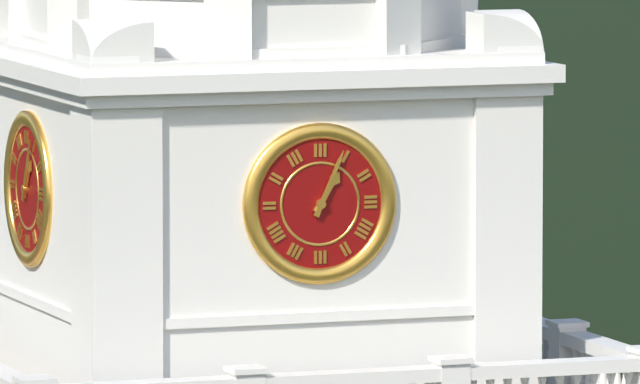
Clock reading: 1.04
